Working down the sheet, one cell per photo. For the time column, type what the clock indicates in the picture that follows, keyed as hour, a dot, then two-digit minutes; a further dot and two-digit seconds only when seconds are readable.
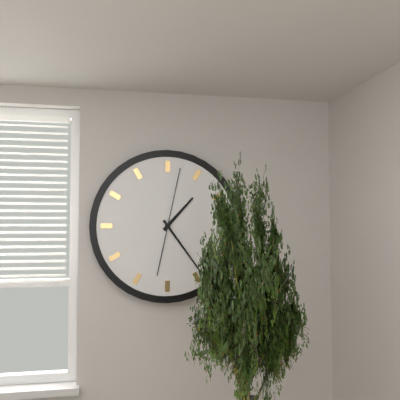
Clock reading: 1.24.02
